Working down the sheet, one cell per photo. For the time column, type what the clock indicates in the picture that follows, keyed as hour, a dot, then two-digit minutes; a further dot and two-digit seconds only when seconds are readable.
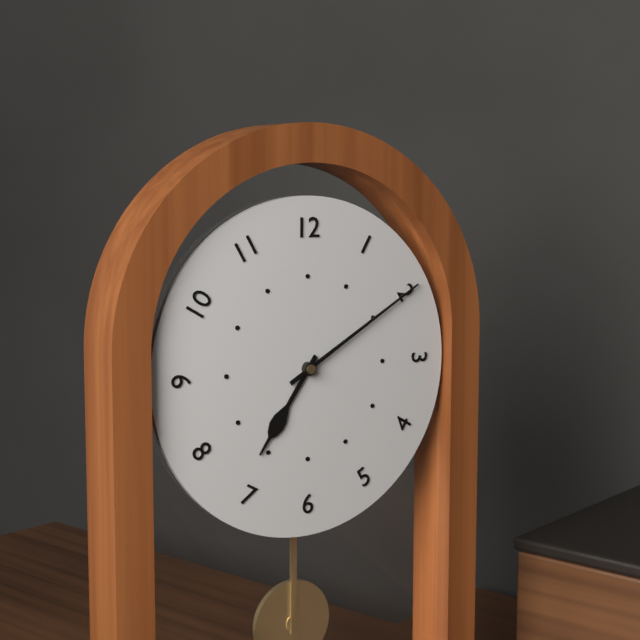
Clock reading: 7.10
